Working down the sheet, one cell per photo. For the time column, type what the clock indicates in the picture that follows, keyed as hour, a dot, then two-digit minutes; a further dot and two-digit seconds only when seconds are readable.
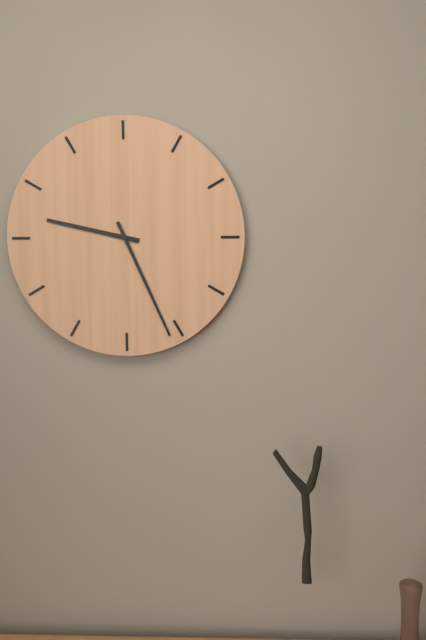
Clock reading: 9.26
